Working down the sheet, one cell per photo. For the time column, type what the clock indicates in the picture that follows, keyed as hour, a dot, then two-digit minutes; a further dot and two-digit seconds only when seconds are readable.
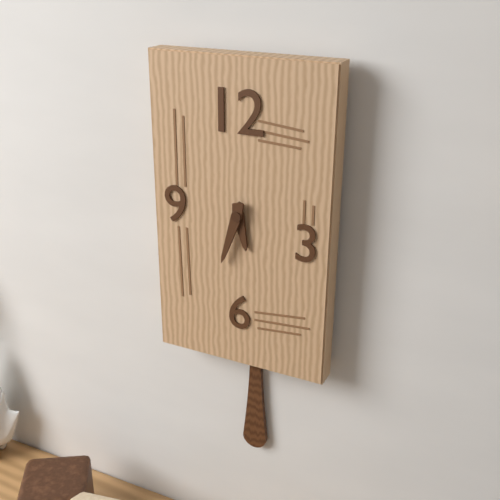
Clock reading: 5.33
